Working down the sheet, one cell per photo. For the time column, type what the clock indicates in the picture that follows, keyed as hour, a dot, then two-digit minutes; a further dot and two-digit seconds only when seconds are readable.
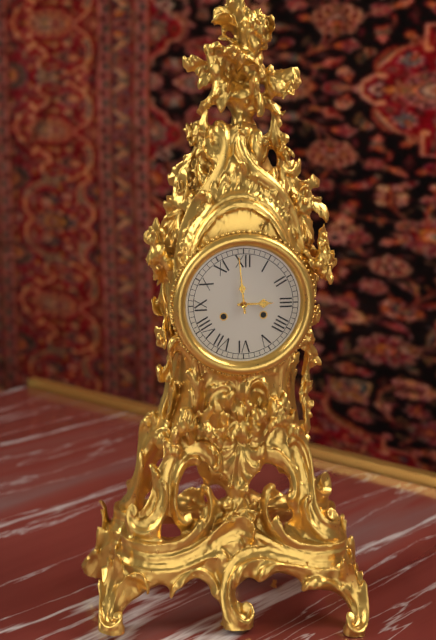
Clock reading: 2.59
